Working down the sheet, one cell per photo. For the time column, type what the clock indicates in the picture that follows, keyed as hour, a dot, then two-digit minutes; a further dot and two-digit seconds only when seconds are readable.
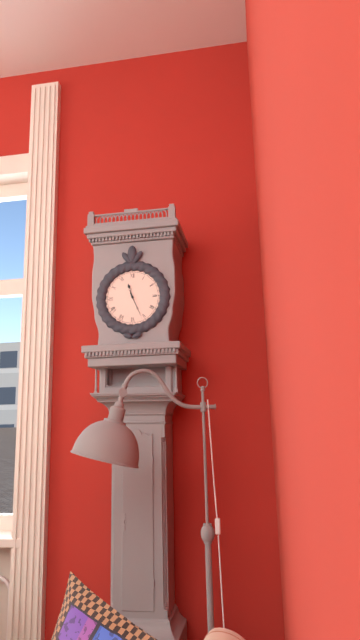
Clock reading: 11.26
